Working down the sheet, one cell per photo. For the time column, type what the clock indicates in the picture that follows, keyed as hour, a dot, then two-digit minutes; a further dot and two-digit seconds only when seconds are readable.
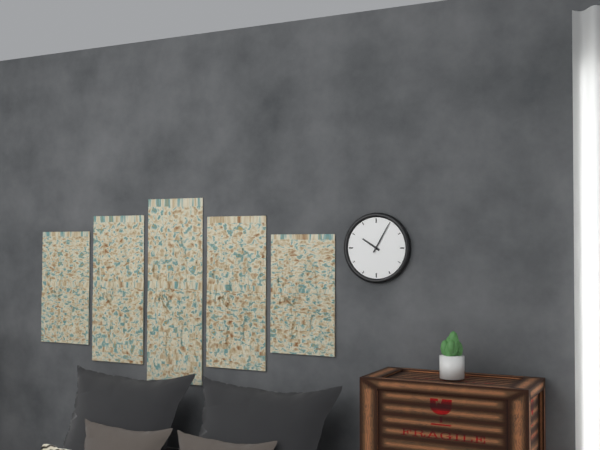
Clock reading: 10.05
